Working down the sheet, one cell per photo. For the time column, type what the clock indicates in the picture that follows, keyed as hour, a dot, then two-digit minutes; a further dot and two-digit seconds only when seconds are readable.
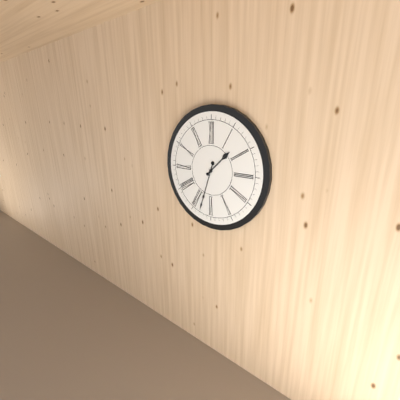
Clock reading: 1.33
